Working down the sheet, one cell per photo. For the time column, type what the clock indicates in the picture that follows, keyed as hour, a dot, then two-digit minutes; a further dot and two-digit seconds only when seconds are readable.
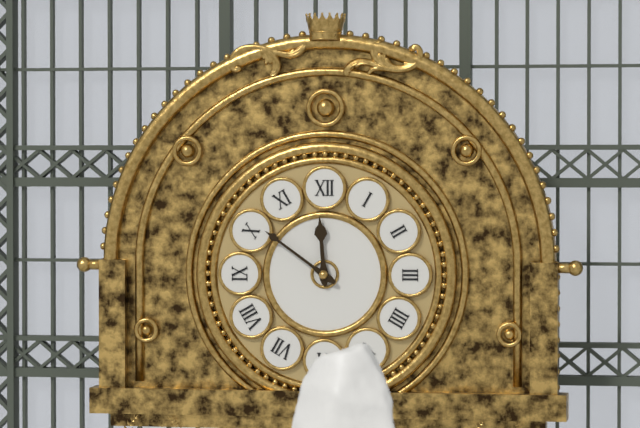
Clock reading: 11.51
